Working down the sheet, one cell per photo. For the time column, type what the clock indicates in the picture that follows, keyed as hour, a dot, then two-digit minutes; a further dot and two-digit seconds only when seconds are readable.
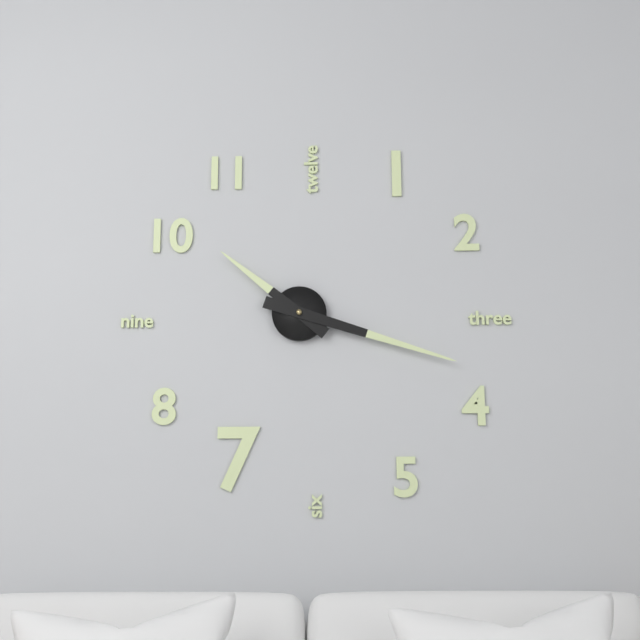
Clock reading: 10.18
